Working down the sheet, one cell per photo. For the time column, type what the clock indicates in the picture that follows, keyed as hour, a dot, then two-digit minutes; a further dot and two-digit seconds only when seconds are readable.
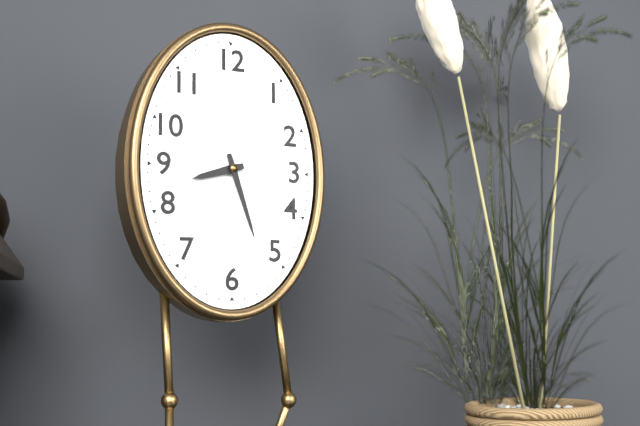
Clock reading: 8.27
